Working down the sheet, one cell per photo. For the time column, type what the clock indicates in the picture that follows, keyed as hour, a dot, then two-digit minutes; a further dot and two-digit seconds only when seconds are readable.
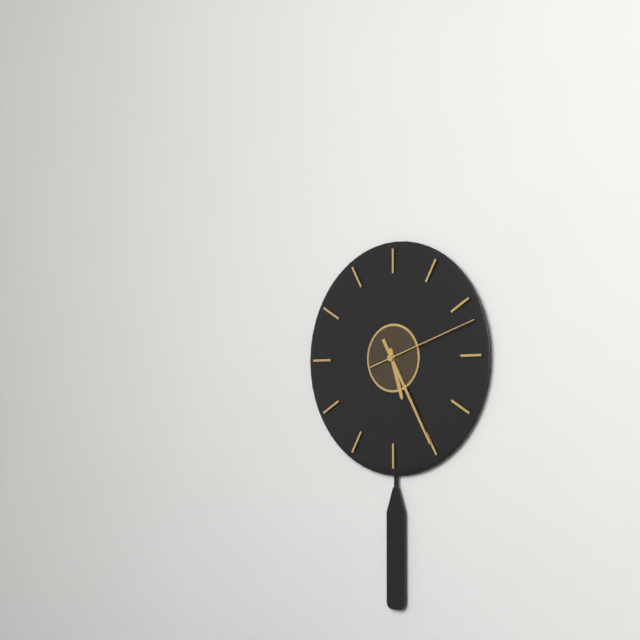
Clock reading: 5.25.12
